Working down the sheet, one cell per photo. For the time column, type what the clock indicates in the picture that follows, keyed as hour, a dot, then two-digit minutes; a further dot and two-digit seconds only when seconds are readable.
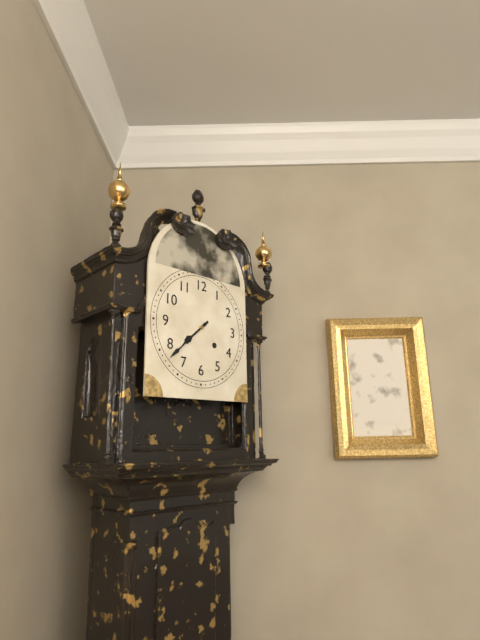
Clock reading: 7.38
